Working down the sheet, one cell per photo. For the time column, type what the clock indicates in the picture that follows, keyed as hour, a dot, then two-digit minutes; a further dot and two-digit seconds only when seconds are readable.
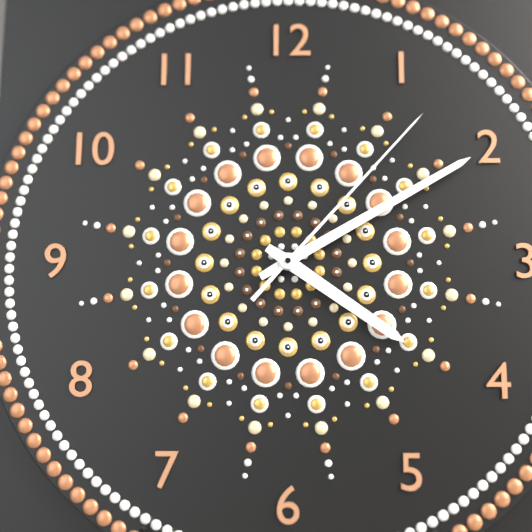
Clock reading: 4.10.07
